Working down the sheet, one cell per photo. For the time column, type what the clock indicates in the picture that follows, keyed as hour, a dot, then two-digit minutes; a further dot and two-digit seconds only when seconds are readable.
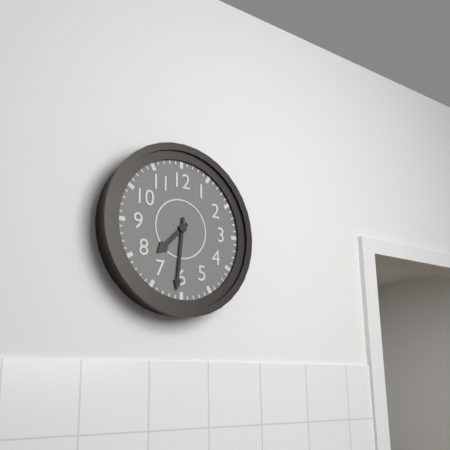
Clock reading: 7.31
